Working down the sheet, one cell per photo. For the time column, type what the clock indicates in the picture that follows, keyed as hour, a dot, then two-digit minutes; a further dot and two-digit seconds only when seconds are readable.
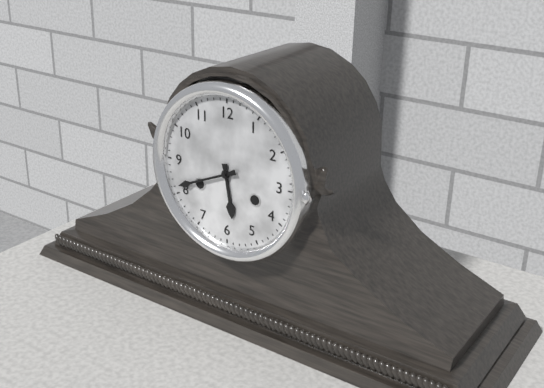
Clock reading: 5.41
